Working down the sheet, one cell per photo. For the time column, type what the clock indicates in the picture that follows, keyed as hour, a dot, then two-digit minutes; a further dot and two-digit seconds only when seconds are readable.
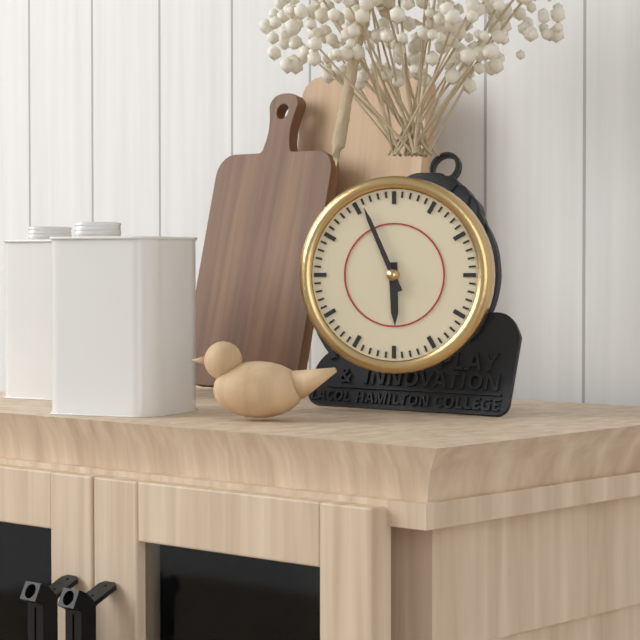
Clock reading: 5.56
